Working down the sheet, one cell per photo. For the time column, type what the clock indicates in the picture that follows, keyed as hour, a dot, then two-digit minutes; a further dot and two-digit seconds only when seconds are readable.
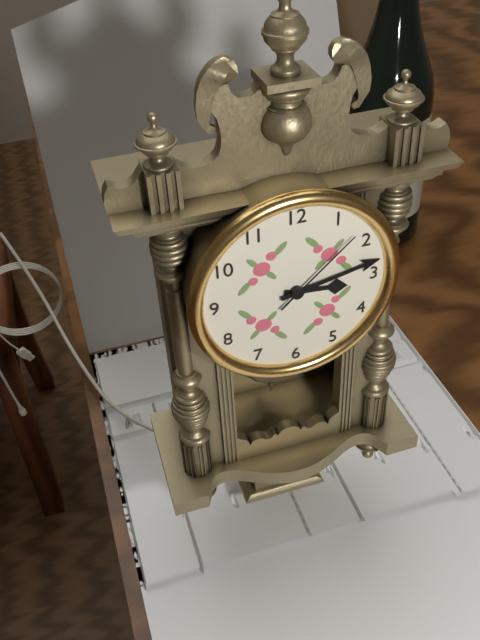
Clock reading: 3.13.08
